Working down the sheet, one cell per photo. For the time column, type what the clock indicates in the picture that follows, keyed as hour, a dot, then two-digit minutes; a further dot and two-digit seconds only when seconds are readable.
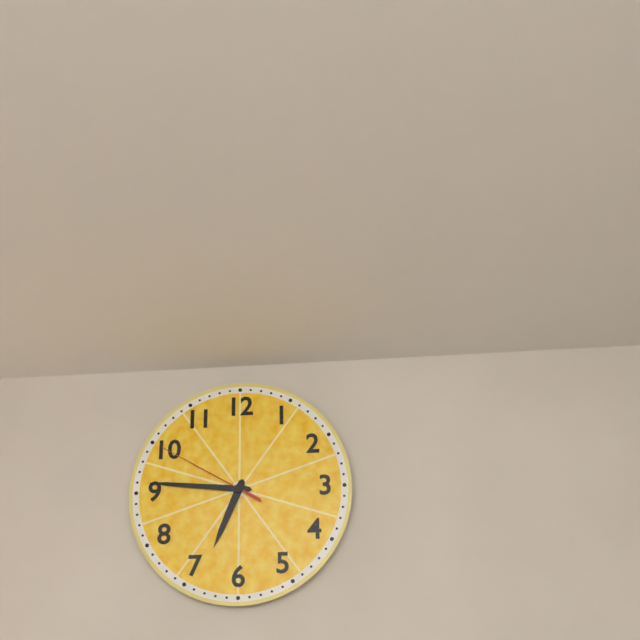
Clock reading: 6.46.50
